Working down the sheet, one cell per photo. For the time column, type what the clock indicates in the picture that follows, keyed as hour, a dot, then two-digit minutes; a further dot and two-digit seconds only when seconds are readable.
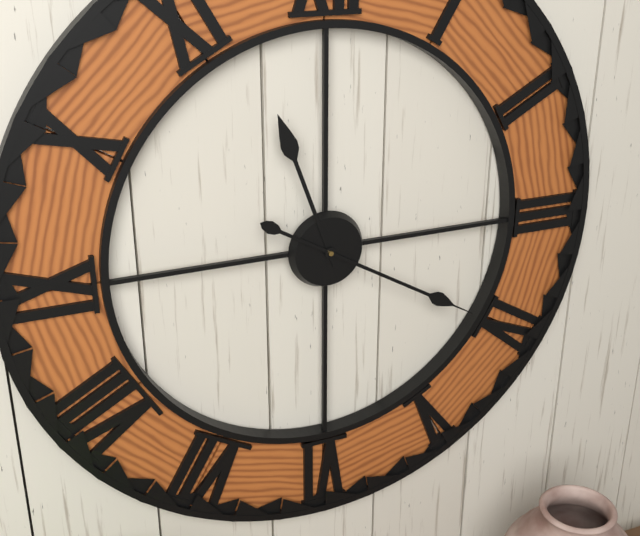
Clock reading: 11.20
